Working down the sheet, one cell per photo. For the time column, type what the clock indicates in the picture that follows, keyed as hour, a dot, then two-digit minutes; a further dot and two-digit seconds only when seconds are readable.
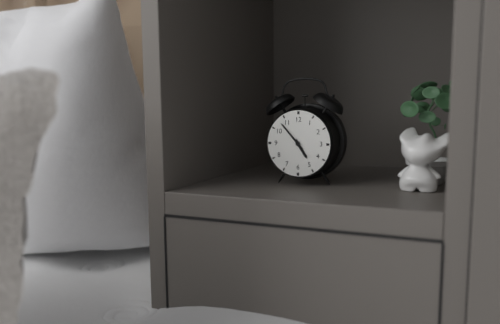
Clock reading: 4.53
